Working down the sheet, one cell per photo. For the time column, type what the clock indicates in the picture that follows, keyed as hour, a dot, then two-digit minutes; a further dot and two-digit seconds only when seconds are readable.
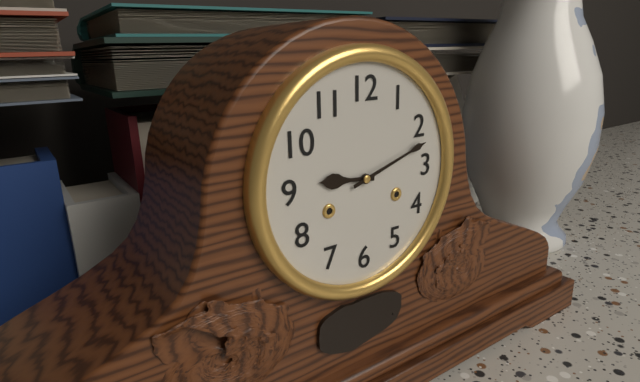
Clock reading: 9.12
